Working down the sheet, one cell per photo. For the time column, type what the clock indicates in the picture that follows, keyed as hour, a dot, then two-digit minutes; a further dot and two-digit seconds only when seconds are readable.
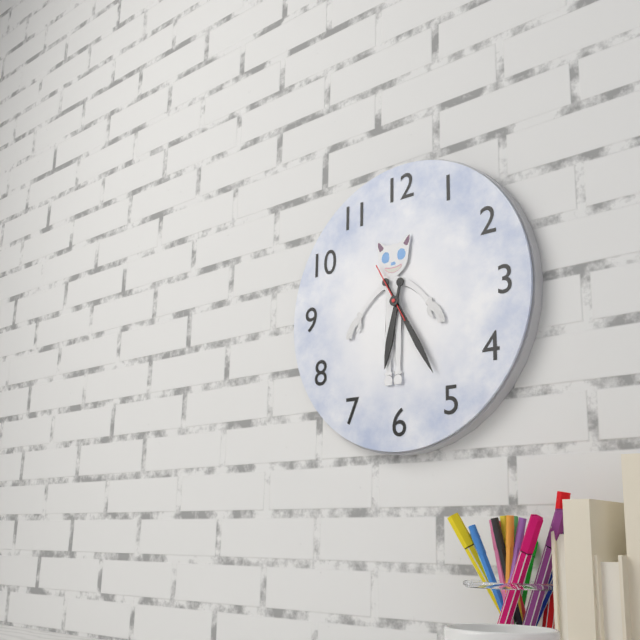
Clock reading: 6.25.55
